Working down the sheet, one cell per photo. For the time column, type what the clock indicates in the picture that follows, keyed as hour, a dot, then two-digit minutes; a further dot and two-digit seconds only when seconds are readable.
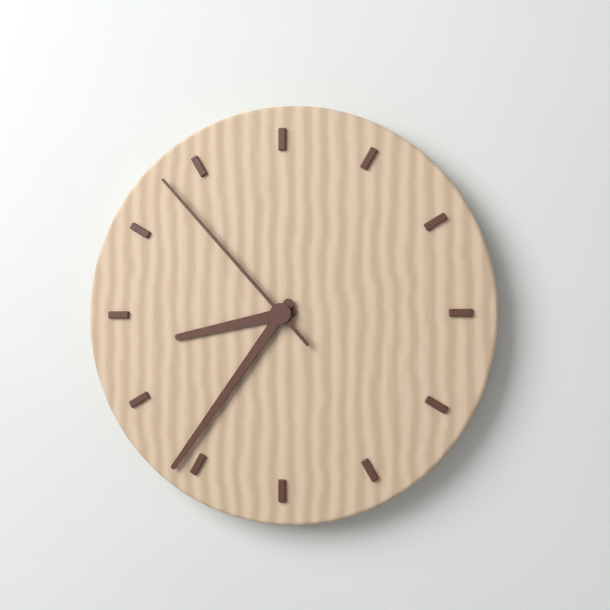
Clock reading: 8.36.53
